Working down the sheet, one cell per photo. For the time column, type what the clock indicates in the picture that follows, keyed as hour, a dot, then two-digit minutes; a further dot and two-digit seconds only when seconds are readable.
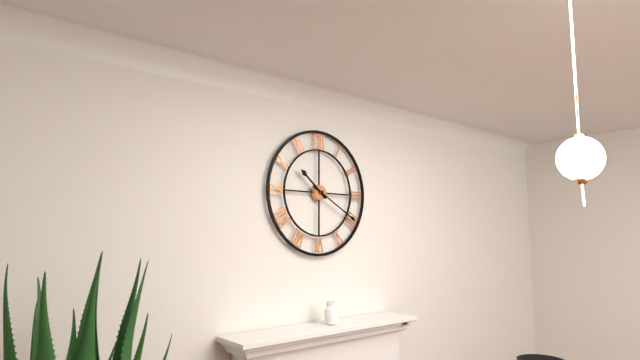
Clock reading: 10.20
